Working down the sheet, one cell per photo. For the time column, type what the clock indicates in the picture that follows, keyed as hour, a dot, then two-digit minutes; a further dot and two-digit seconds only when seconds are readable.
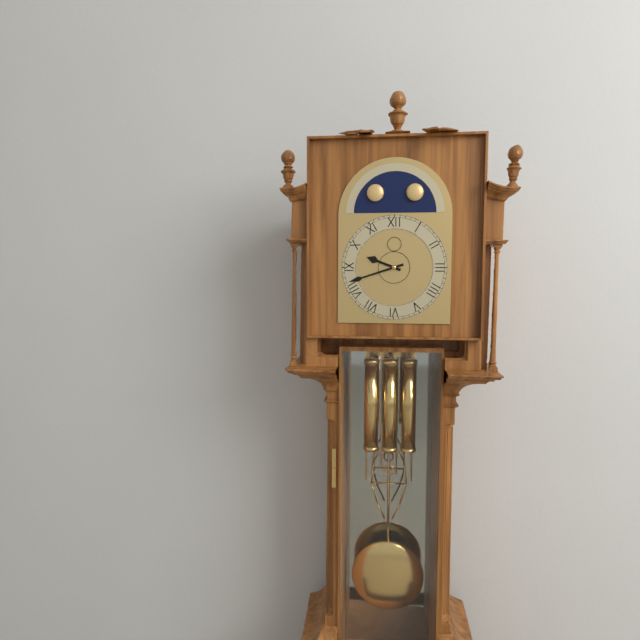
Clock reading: 9.42
